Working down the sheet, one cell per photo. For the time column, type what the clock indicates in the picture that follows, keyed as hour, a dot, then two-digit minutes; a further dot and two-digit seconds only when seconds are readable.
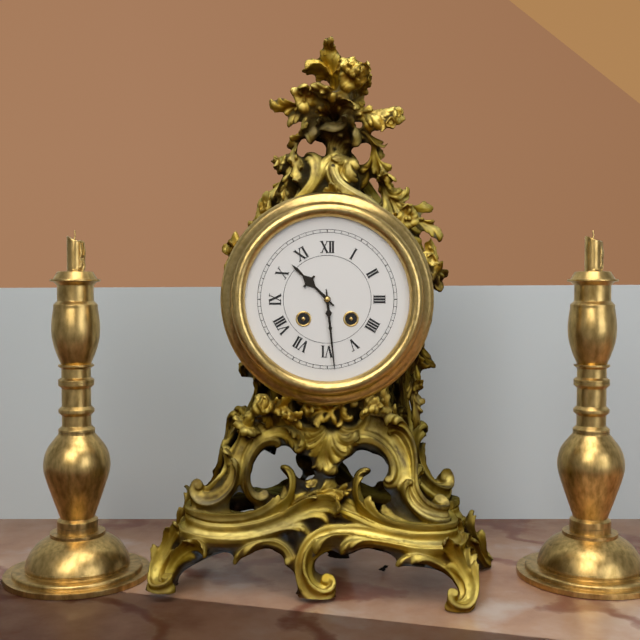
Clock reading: 10.29
